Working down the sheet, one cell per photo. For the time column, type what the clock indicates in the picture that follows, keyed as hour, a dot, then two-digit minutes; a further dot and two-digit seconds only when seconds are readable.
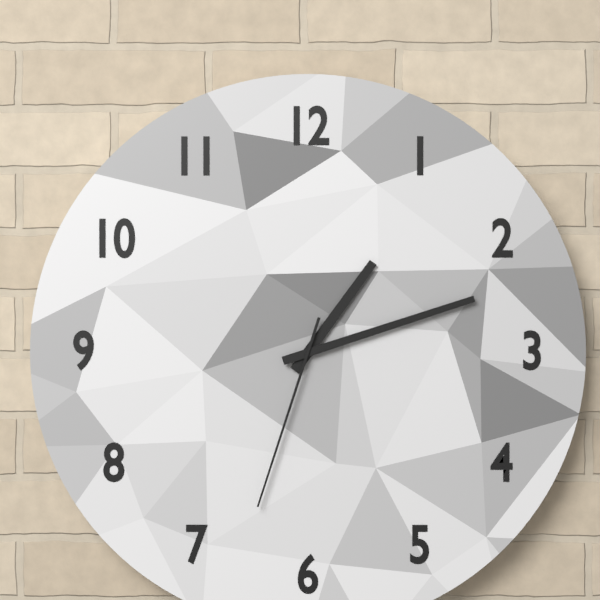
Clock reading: 1.12.33
